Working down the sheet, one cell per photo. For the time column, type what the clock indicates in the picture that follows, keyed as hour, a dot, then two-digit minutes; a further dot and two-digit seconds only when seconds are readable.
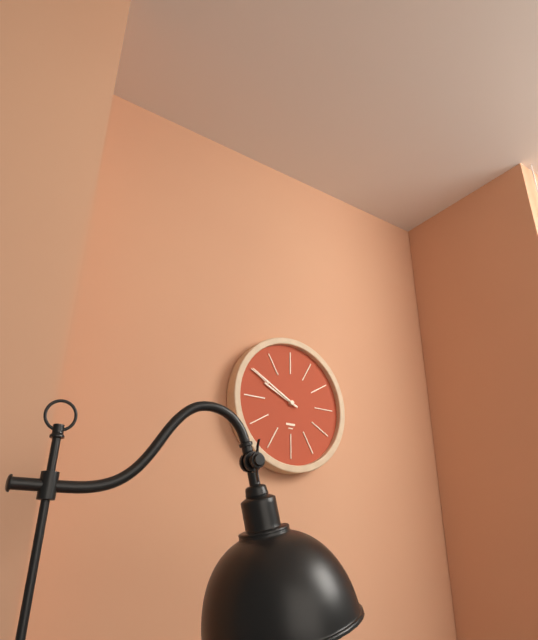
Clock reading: 9.50
